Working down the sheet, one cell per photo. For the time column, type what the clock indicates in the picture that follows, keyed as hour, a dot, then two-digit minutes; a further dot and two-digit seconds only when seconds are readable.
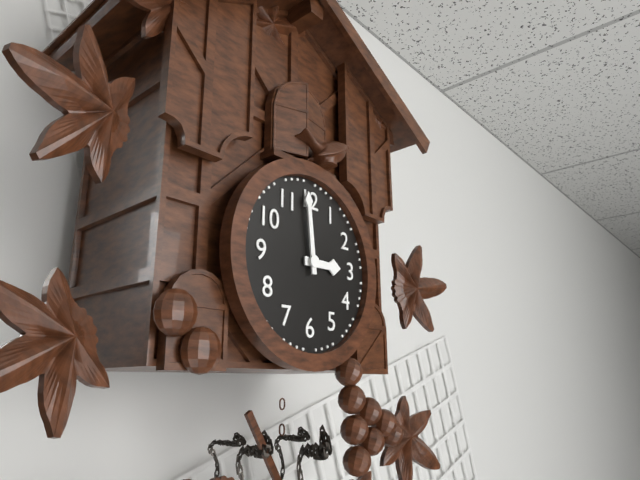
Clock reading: 2.59
